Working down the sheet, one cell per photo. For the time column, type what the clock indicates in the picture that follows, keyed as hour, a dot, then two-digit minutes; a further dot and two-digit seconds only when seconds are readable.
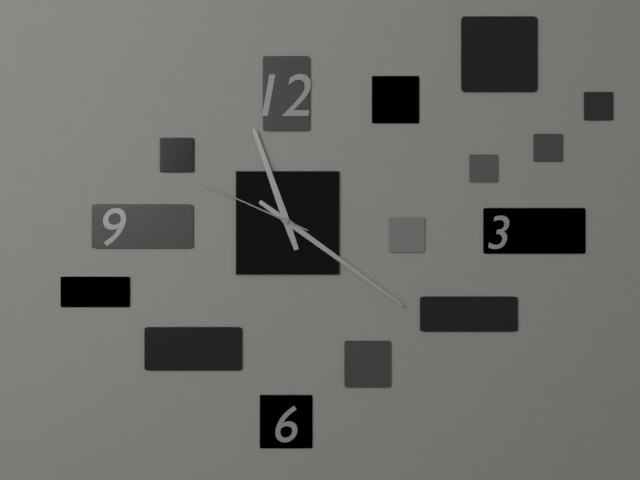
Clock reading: 11.21.49
